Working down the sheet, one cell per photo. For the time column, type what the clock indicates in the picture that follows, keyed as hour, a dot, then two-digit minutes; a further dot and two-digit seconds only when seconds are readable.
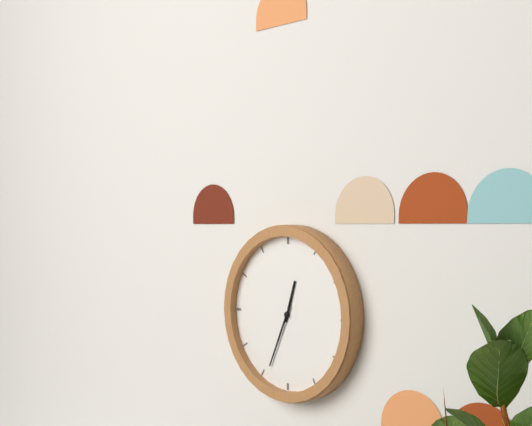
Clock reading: 12.34
